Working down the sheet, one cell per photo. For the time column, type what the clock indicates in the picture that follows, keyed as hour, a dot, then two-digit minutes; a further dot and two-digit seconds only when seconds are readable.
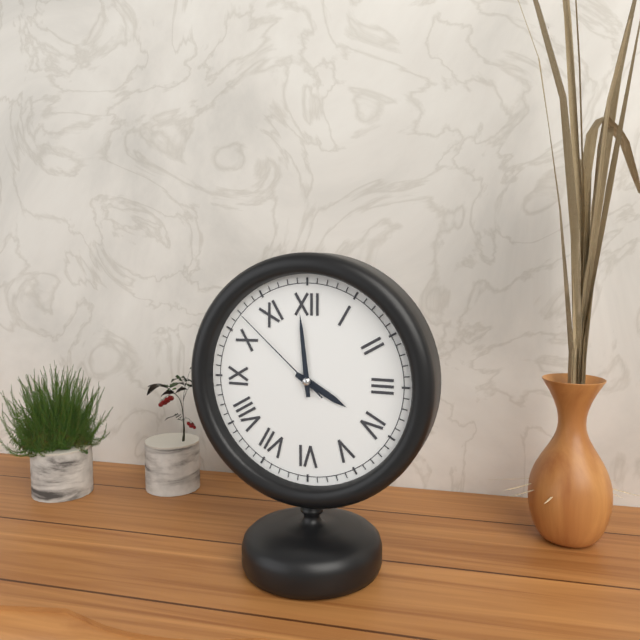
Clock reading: 3.59.52
